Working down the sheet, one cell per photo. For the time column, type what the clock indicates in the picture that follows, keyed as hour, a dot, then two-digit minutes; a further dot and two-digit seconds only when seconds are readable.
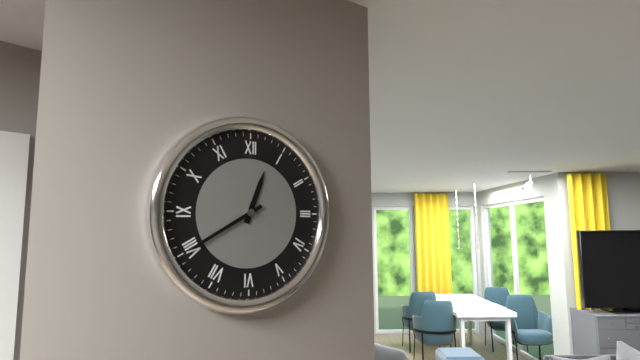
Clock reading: 12.40
